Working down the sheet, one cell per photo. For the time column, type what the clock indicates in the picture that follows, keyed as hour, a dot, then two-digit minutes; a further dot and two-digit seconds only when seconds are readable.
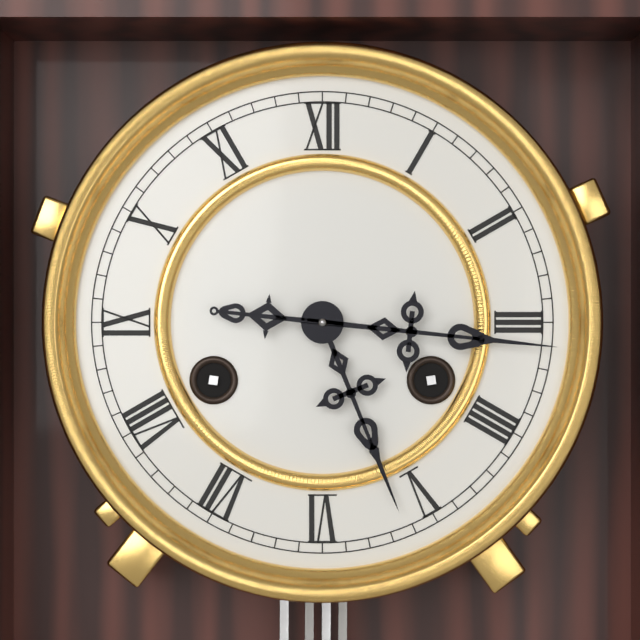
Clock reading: 5.16
